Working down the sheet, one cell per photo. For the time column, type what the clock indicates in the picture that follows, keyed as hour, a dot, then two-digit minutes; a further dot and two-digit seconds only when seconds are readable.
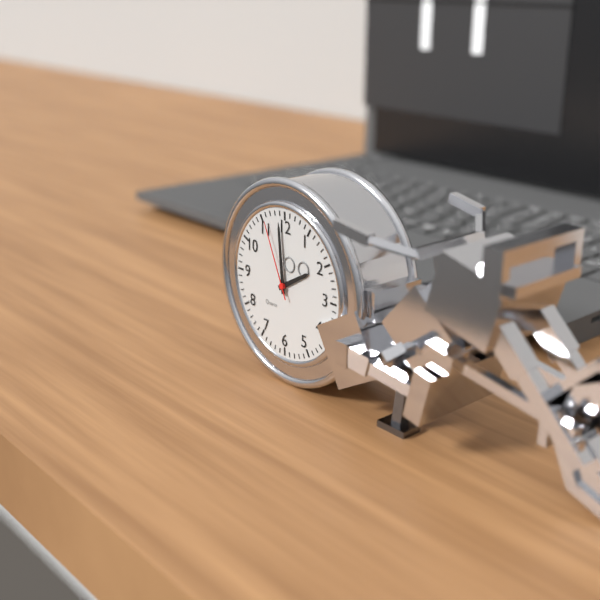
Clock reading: 1.59.56
